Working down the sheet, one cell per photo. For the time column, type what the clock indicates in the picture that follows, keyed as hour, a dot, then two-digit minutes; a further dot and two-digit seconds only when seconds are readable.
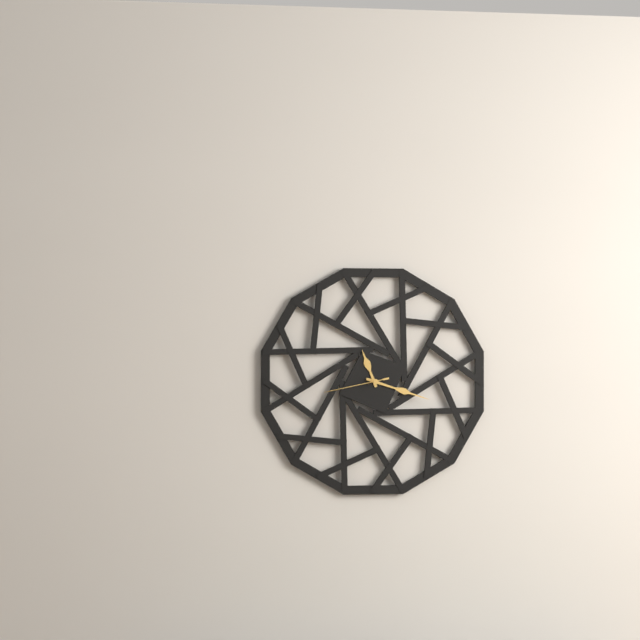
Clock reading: 11.18.43
